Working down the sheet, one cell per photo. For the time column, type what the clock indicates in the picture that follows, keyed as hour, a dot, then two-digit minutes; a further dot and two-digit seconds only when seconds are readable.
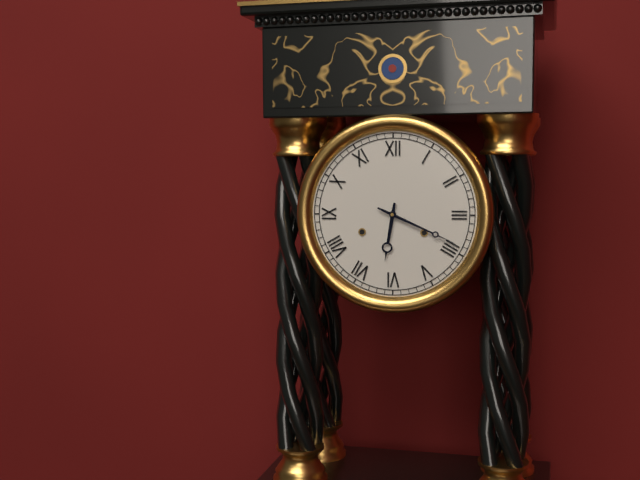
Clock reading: 6.19
